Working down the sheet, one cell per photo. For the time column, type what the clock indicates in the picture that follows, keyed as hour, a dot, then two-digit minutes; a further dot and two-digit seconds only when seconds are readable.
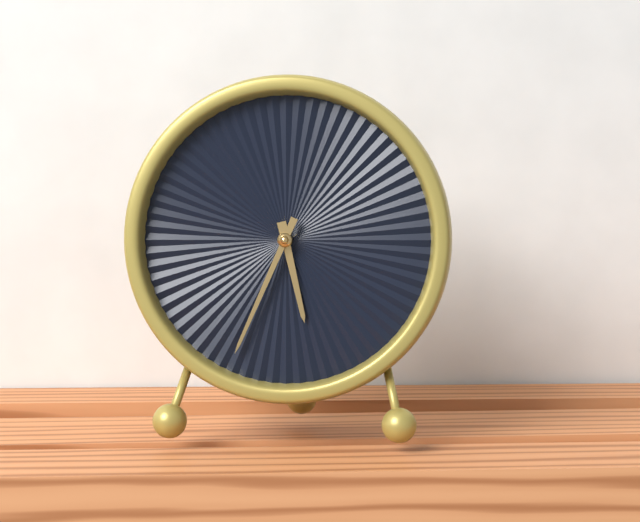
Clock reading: 5.34
